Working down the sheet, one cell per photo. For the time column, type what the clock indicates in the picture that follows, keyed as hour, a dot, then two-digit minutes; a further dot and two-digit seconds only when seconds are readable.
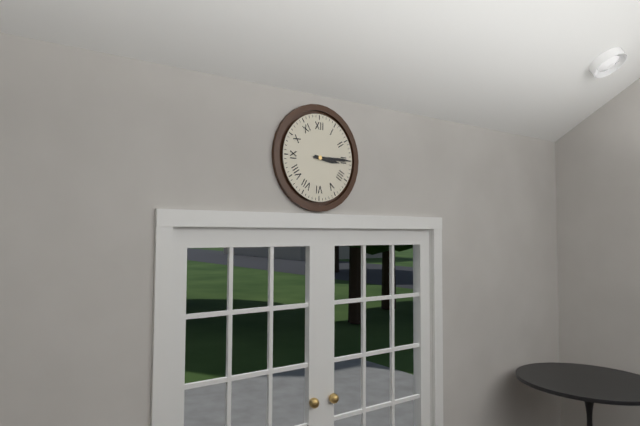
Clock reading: 3.15
